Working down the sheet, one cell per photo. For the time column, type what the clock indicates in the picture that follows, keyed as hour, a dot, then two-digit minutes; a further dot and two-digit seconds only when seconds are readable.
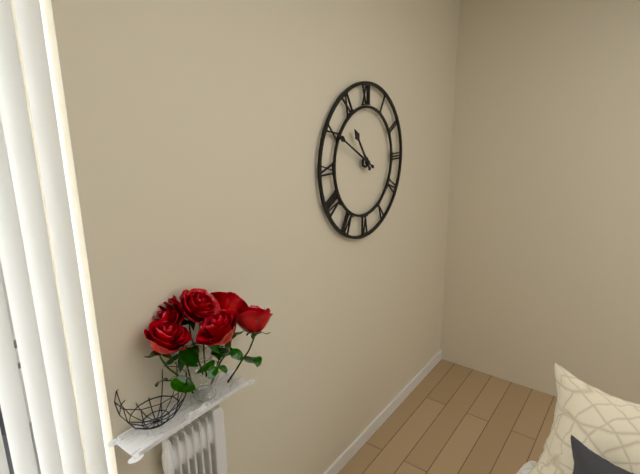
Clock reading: 10.50
